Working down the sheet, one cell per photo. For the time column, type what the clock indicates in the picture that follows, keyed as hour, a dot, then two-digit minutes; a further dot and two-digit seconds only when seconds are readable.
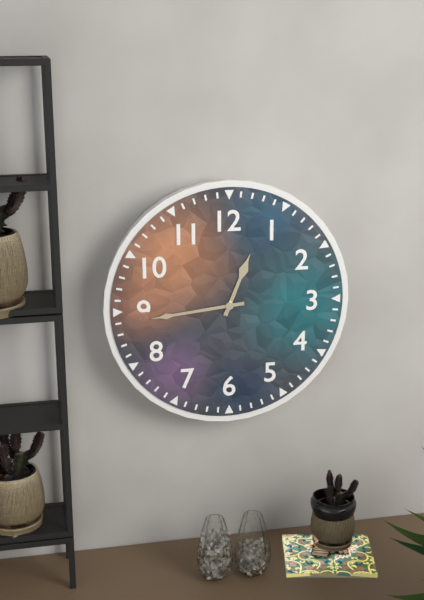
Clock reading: 12.44
